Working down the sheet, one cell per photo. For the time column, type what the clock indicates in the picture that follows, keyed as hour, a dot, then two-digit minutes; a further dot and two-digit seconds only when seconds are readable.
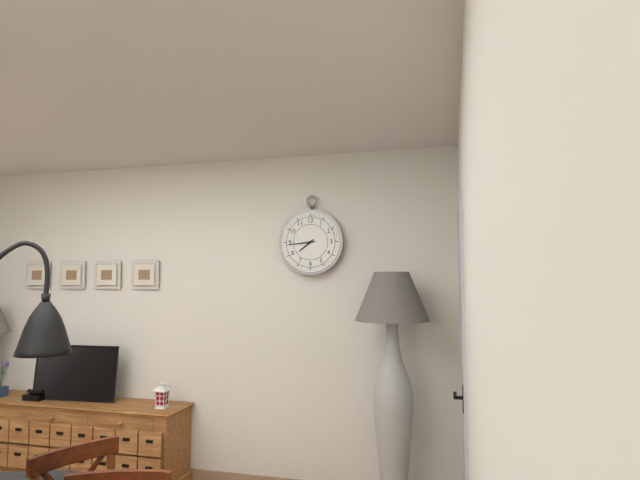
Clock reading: 7.44
